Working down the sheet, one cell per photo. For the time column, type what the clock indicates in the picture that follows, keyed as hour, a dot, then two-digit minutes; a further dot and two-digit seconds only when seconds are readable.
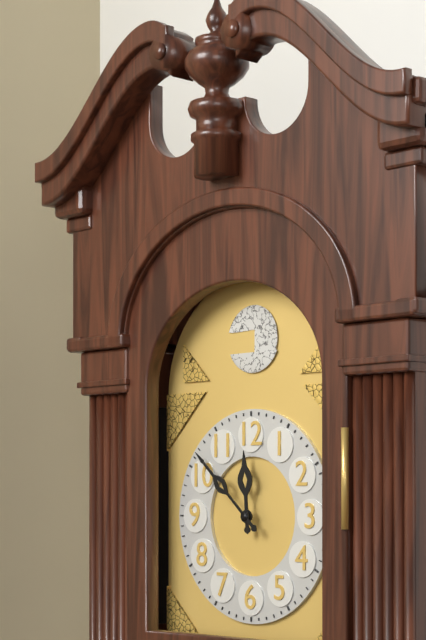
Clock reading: 11.52
